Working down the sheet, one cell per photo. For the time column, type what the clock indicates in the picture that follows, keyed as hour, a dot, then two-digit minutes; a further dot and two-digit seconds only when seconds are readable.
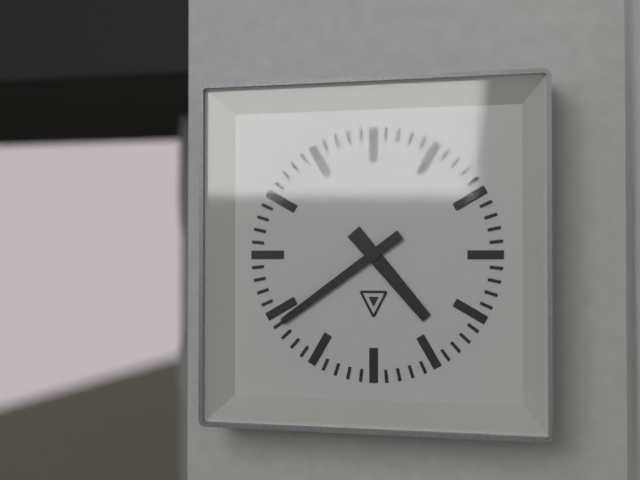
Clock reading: 4.39
